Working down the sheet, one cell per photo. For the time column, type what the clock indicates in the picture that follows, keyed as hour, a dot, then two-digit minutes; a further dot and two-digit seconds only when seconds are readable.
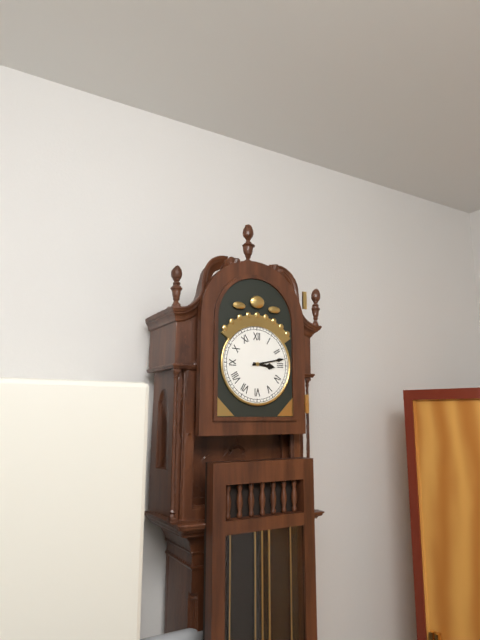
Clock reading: 3.13
